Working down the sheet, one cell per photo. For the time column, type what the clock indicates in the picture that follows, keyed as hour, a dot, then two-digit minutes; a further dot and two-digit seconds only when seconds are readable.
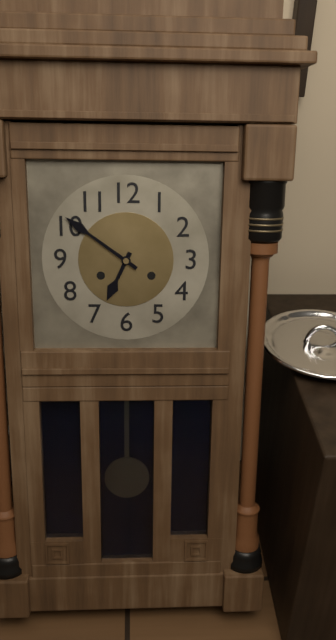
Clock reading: 6.51
